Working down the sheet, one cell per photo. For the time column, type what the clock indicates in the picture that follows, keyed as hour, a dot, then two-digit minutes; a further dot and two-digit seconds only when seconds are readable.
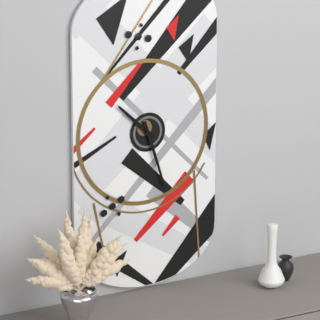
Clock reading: 10.27
